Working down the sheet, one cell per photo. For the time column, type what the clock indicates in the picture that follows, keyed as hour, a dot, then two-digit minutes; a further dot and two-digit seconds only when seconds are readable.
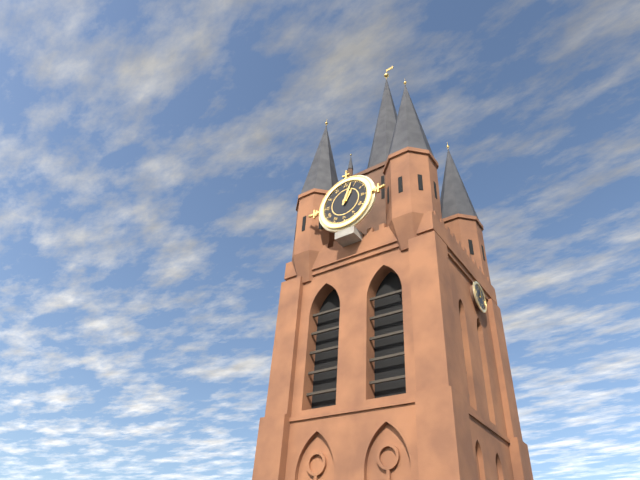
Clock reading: 1.03
